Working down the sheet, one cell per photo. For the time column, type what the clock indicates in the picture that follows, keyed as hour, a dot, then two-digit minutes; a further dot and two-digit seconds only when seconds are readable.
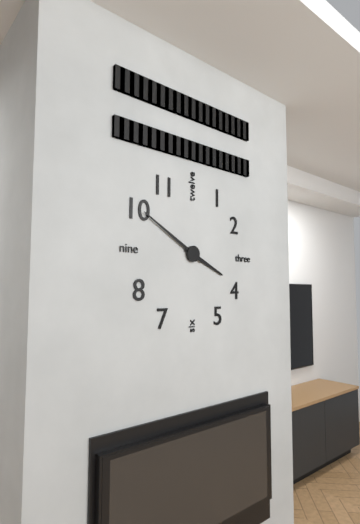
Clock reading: 3.50
